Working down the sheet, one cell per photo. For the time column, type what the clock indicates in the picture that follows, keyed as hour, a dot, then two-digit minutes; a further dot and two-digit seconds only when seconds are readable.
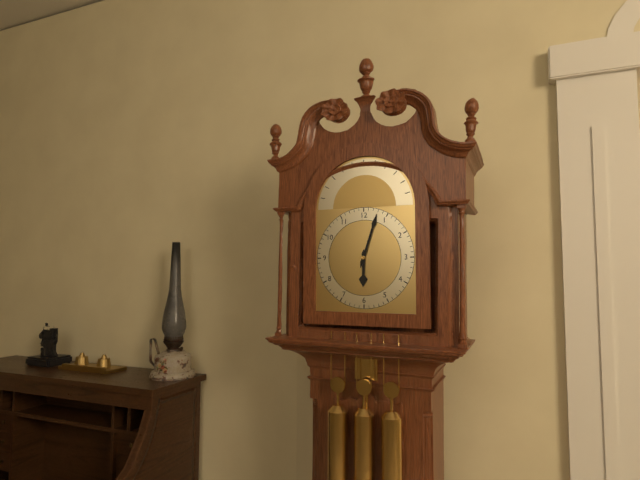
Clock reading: 6.03
